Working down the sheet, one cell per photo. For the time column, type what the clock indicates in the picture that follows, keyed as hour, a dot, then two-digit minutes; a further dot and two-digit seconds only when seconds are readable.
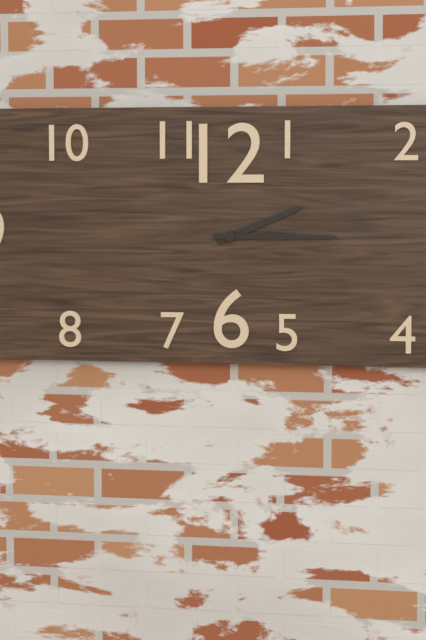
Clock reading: 2.15
